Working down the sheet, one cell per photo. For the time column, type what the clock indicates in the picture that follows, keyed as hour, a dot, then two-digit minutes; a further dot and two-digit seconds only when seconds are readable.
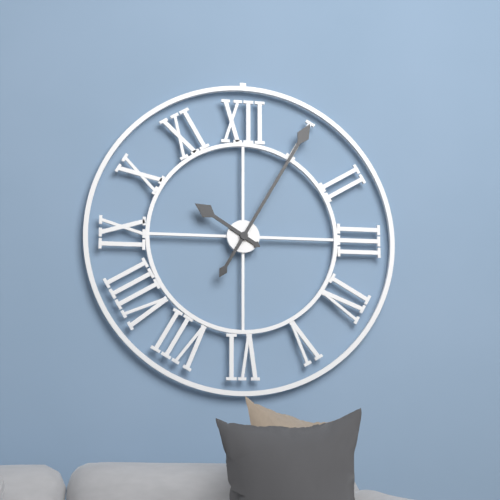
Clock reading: 10.05
